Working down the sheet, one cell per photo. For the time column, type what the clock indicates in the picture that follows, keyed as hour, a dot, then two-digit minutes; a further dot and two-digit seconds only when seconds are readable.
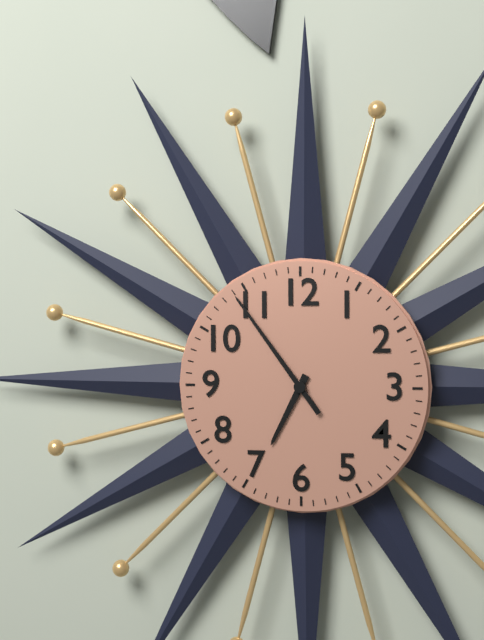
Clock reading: 6.54
